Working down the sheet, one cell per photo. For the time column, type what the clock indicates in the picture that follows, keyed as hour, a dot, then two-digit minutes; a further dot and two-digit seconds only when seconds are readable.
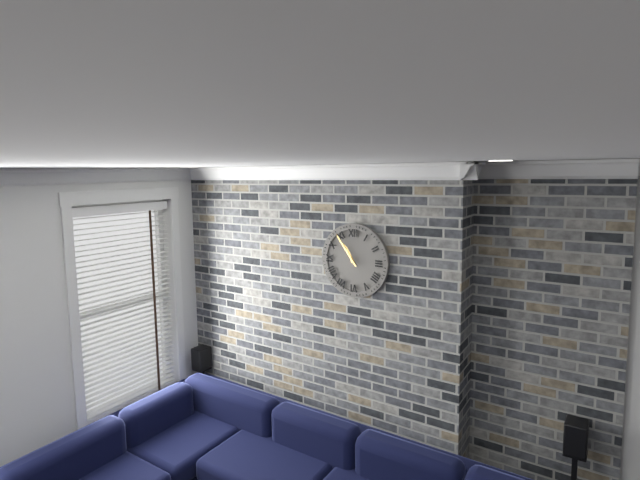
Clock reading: 10.54
